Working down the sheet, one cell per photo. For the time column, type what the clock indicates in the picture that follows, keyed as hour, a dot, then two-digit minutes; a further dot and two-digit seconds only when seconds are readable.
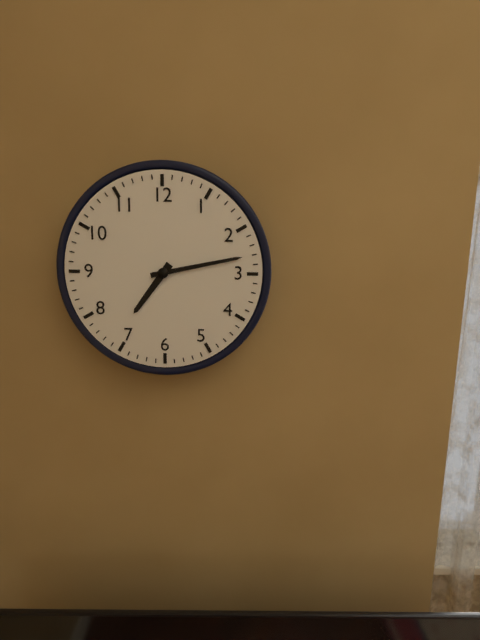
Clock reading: 7.13
